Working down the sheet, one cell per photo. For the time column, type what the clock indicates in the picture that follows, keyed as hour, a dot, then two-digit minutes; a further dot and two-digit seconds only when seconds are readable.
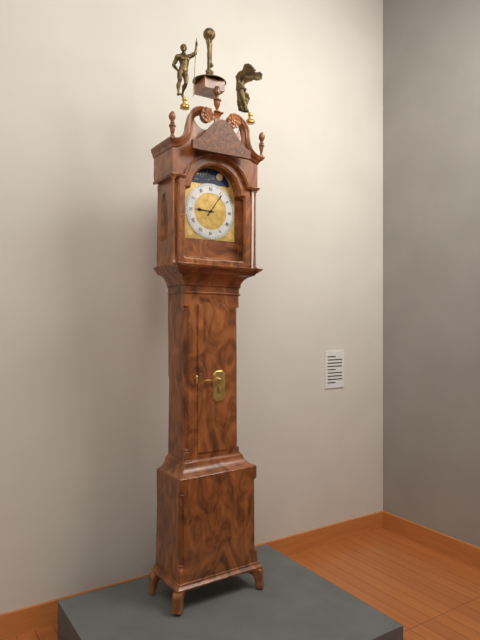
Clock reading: 9.06
